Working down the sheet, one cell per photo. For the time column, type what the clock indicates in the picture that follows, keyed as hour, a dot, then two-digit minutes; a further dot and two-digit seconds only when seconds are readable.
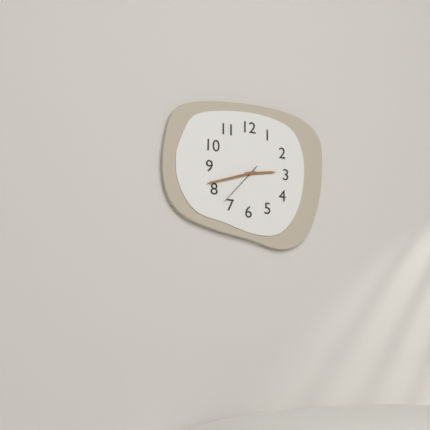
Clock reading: 2.42
